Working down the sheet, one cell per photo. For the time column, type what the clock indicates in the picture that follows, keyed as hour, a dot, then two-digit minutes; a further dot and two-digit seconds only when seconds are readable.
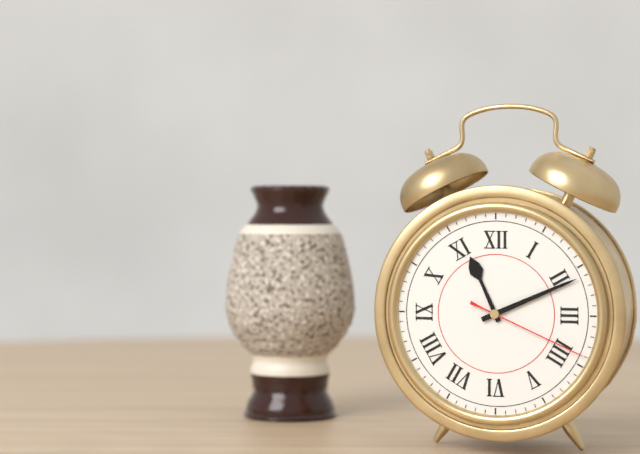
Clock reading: 11.11.19
